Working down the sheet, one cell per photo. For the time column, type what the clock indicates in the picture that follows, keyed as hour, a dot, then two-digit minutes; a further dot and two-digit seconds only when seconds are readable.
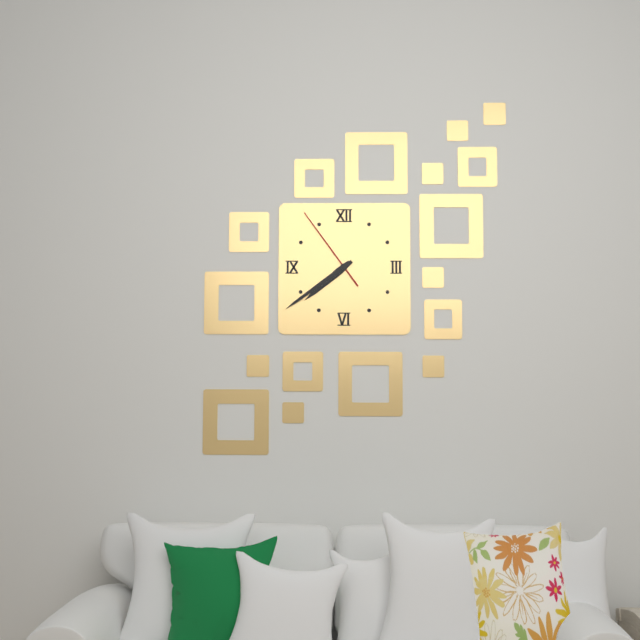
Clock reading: 7.39.54
